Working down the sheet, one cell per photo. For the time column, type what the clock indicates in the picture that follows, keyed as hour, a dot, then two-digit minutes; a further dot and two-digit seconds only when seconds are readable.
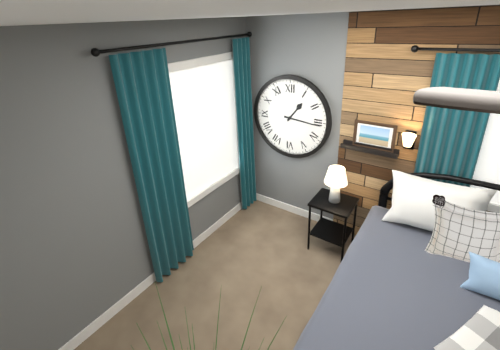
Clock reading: 1.16
